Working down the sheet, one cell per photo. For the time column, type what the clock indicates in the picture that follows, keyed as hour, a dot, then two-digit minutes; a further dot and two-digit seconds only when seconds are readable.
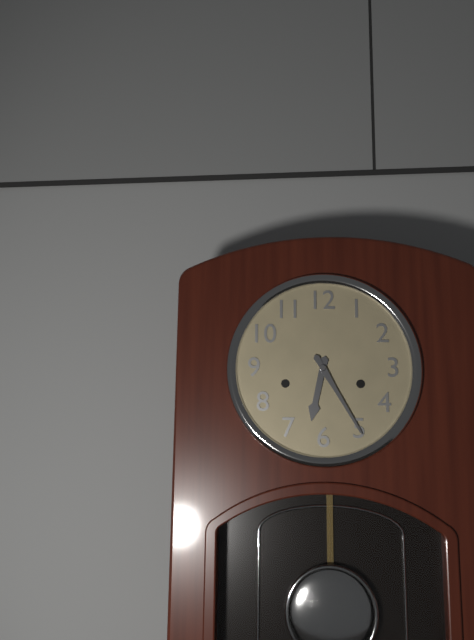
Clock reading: 6.25
